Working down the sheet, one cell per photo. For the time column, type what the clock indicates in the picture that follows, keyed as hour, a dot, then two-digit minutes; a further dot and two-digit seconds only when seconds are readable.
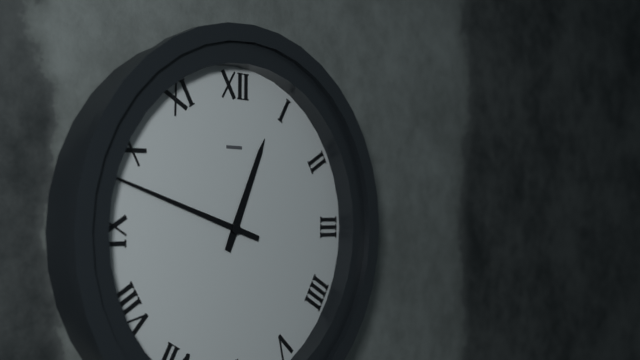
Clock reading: 12.48
